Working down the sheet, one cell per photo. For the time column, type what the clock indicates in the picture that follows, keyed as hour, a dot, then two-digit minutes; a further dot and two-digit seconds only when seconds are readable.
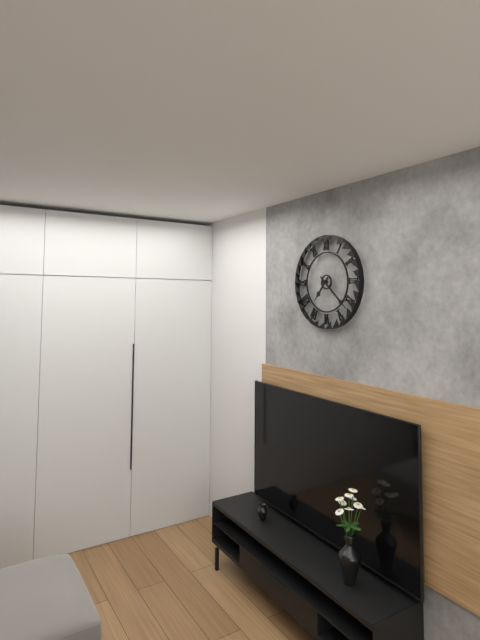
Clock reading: 7.22
